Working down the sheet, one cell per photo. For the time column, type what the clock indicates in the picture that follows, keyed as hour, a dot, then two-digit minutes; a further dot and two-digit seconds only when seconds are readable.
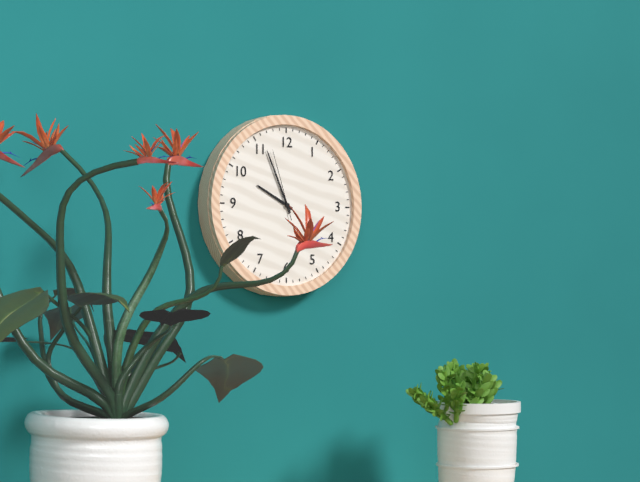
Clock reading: 9.56.57
